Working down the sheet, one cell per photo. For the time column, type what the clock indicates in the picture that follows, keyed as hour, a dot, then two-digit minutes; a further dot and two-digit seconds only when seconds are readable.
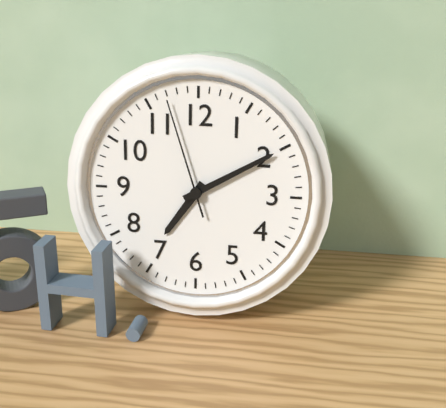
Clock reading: 7.10.57
